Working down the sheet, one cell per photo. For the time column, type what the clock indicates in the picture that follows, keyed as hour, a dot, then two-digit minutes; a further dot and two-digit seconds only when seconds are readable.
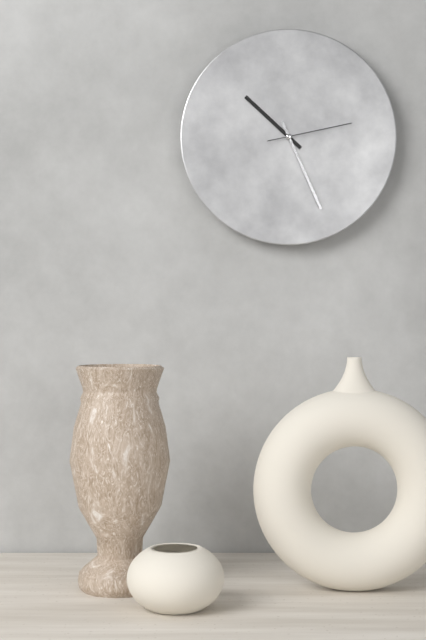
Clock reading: 10.26.13
